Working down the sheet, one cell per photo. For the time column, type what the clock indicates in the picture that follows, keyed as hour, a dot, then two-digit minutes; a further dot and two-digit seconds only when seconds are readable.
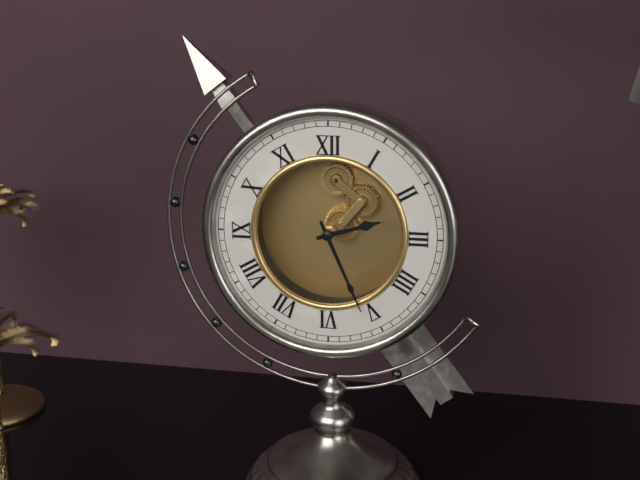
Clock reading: 2.26
